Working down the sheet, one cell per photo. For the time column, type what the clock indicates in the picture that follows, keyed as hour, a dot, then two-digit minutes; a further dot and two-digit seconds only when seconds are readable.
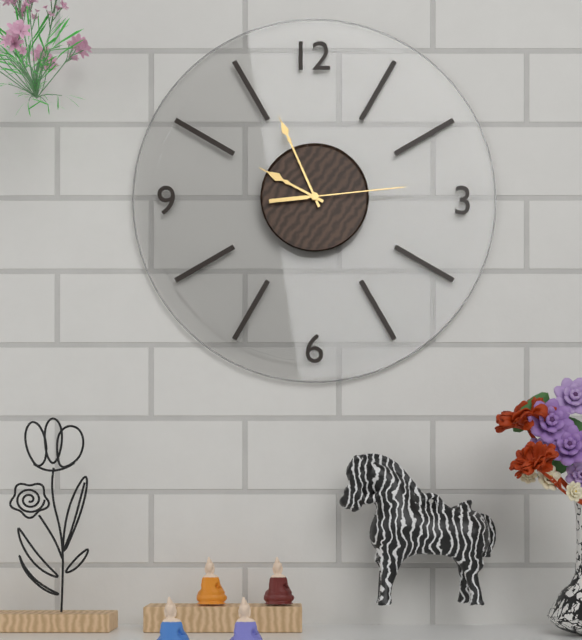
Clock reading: 9.56.14
